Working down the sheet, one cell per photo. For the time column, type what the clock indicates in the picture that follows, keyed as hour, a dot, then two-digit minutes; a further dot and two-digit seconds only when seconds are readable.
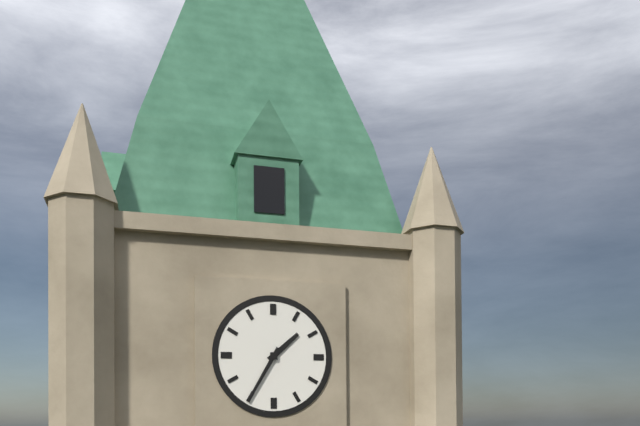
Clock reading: 1.35
